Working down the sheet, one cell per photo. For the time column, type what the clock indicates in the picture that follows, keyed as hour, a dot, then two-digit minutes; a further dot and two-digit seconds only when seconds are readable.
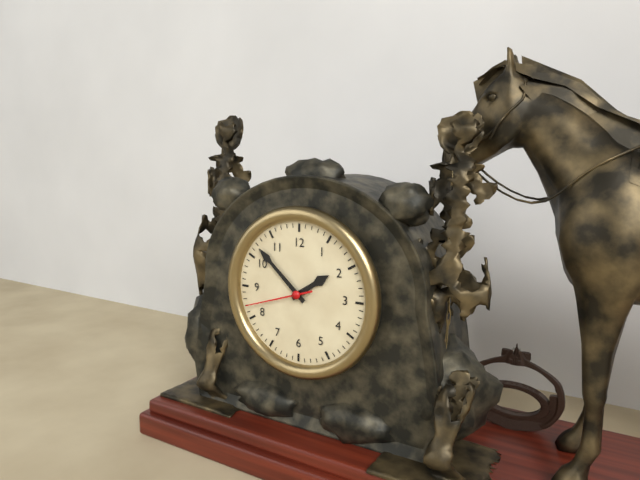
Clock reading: 1.52.42
